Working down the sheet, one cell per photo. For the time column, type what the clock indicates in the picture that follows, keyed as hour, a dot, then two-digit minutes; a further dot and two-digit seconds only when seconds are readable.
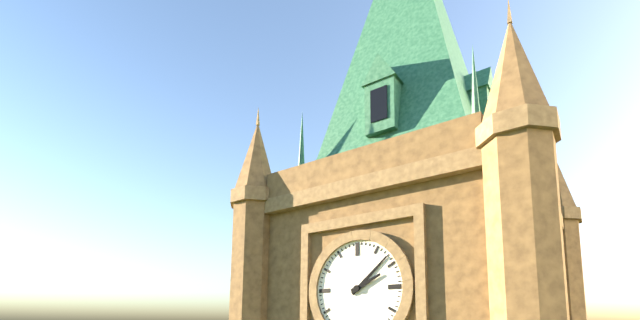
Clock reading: 2.08
